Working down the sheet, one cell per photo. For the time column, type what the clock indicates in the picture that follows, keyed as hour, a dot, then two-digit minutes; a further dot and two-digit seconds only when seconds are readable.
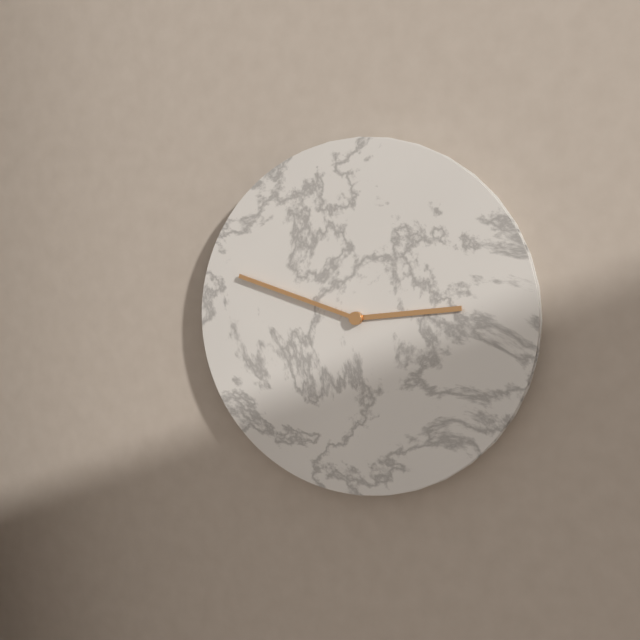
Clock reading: 2.48
